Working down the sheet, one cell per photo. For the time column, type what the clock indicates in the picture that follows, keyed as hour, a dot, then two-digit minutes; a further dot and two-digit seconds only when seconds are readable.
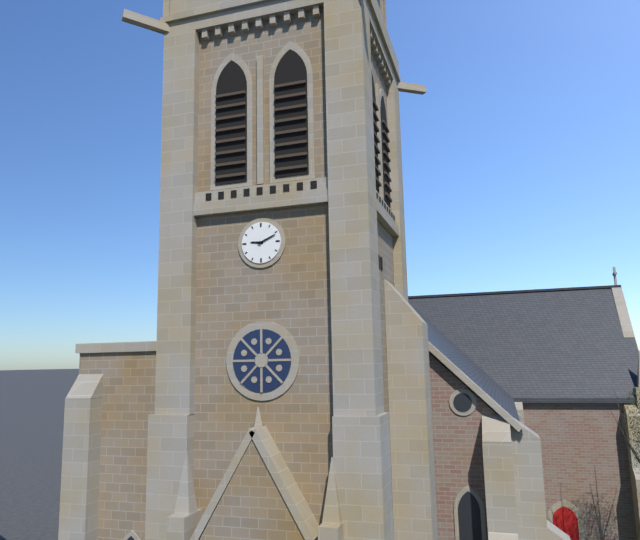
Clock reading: 9.11
